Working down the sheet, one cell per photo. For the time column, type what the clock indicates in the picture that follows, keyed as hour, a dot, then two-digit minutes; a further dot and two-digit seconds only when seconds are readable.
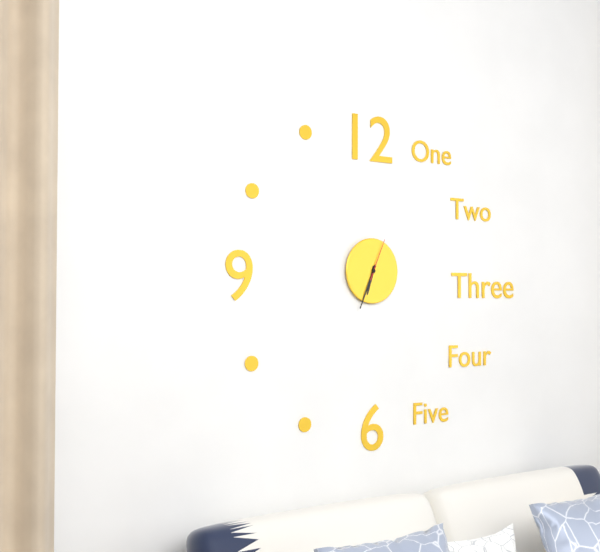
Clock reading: 6.34
